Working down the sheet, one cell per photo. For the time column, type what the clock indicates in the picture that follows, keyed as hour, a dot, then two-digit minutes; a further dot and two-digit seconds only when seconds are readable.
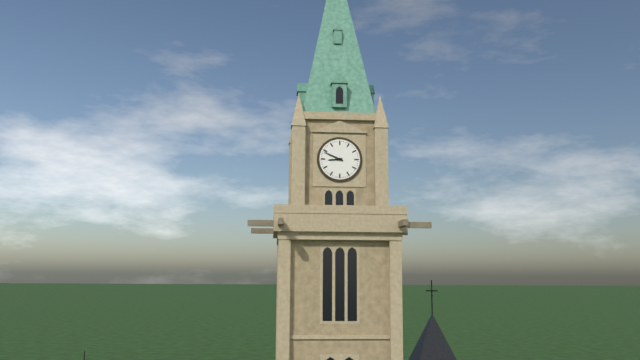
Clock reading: 8.49
